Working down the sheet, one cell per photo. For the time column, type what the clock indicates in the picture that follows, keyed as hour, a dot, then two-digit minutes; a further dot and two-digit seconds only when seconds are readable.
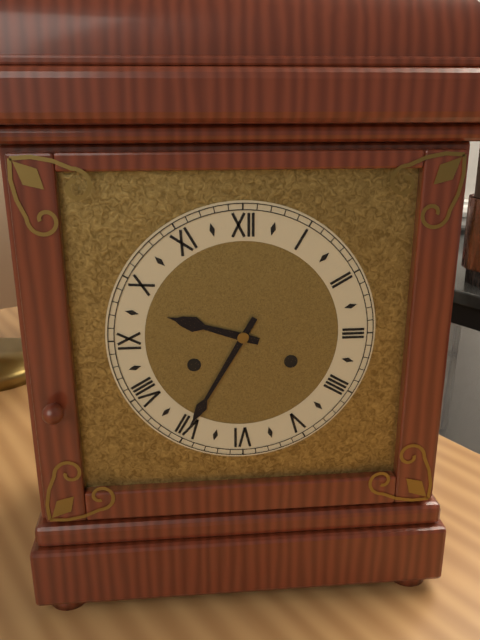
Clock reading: 9.35
